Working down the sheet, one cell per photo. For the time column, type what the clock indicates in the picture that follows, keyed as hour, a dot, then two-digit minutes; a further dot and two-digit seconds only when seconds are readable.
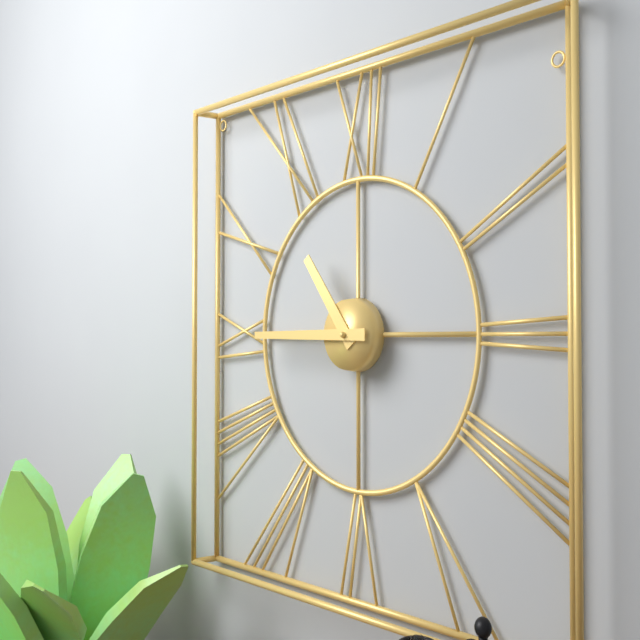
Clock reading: 10.45
